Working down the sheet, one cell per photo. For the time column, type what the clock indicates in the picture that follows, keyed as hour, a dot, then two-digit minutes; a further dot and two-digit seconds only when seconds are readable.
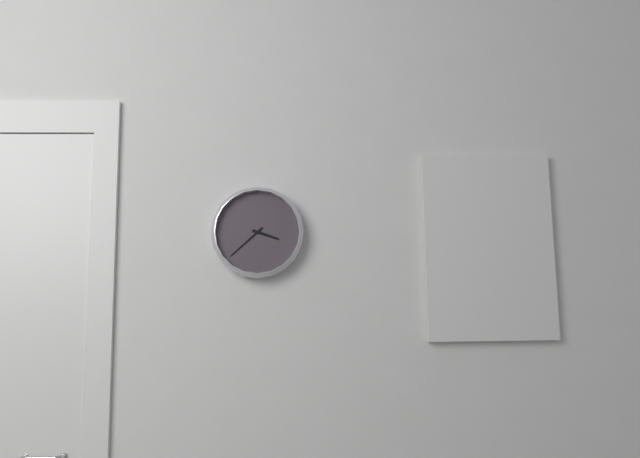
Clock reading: 3.38
